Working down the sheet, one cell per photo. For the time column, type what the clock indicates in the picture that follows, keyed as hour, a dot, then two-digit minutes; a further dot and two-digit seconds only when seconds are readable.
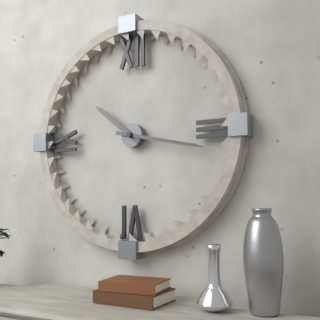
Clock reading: 10.17
